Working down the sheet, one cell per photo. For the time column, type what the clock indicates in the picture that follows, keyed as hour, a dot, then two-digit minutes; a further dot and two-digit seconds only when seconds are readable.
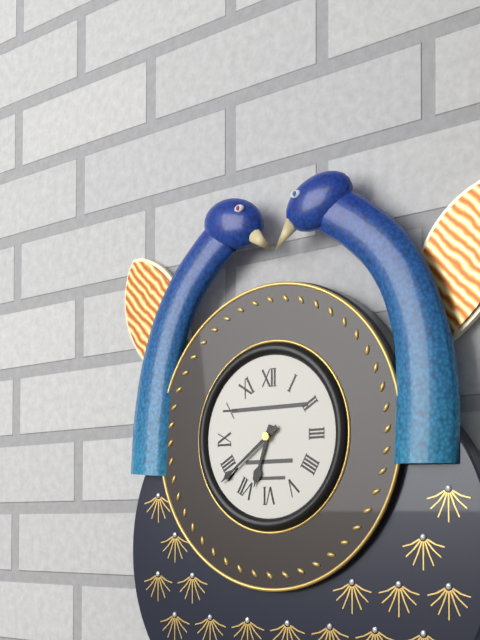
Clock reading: 6.39
